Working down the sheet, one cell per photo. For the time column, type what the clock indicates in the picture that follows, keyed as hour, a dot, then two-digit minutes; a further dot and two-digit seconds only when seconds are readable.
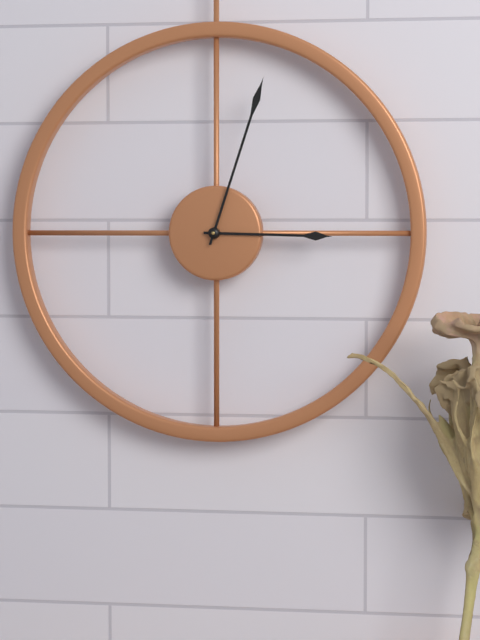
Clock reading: 3.03
